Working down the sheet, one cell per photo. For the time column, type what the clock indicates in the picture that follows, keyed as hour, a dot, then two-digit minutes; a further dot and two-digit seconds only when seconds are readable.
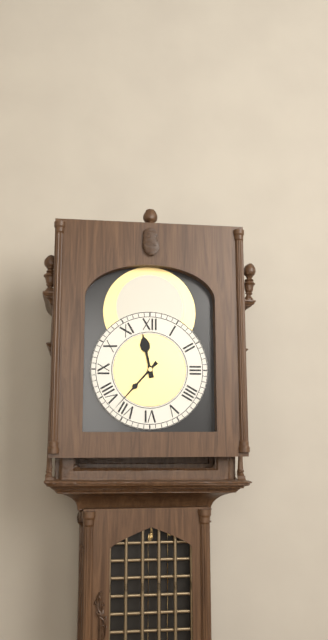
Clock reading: 11.37
